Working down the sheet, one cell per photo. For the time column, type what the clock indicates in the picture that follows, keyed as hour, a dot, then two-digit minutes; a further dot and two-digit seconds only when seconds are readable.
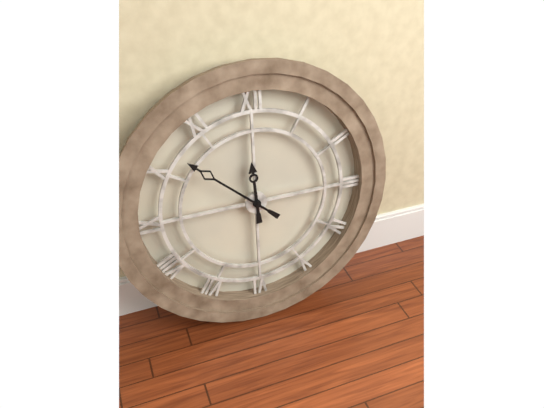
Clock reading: 11.52
